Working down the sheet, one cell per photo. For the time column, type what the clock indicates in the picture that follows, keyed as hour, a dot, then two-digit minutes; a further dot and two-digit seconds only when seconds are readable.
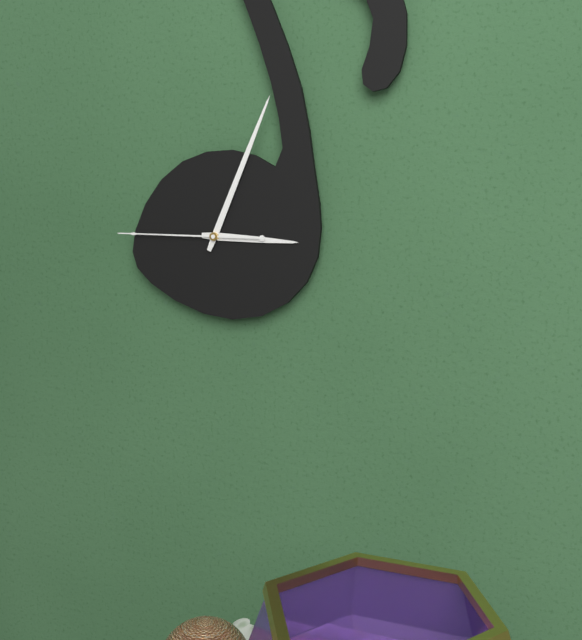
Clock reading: 3.04.45
